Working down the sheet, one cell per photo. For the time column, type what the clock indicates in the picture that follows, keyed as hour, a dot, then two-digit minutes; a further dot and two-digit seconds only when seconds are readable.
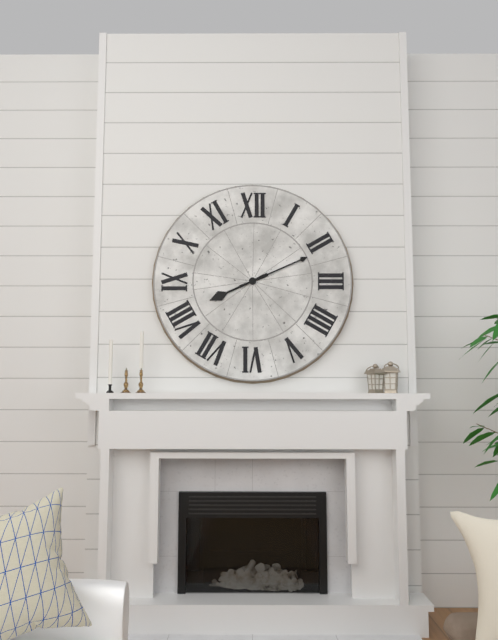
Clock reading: 8.11
